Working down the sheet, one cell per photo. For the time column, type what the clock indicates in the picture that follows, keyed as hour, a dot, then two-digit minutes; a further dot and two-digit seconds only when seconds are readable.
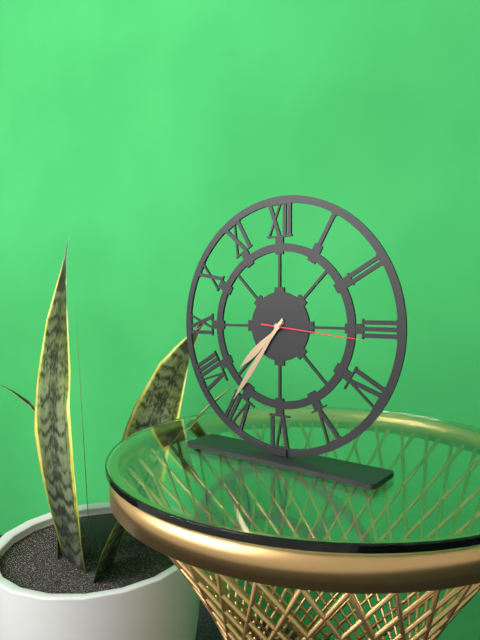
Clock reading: 7.36.16
